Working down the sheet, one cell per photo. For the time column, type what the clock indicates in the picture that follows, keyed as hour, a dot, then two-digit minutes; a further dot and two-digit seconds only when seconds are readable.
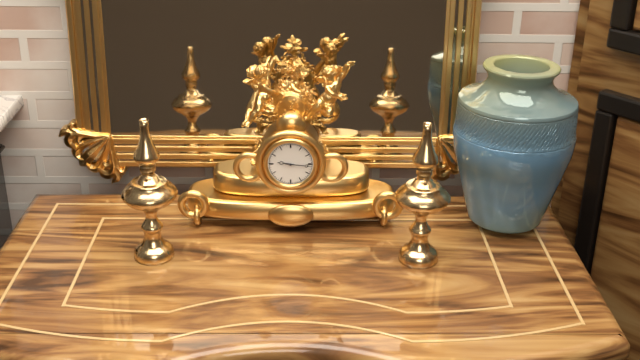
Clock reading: 9.16
